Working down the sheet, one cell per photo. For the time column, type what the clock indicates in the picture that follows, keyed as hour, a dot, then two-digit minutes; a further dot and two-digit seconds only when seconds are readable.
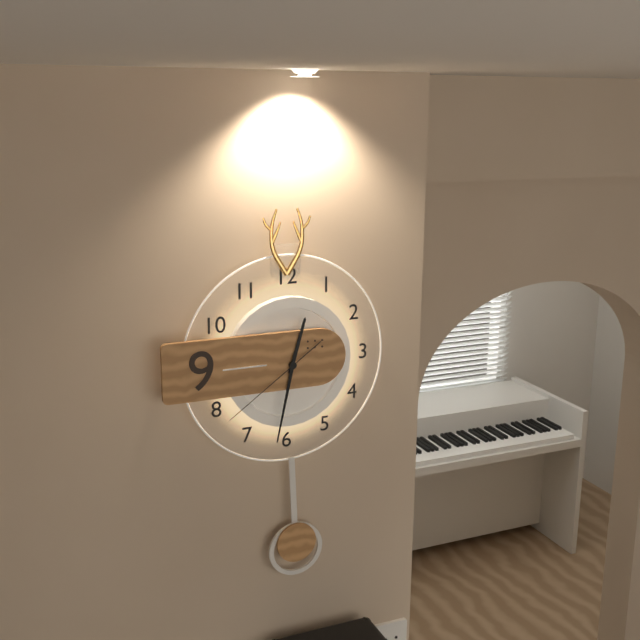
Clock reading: 12.32.39
